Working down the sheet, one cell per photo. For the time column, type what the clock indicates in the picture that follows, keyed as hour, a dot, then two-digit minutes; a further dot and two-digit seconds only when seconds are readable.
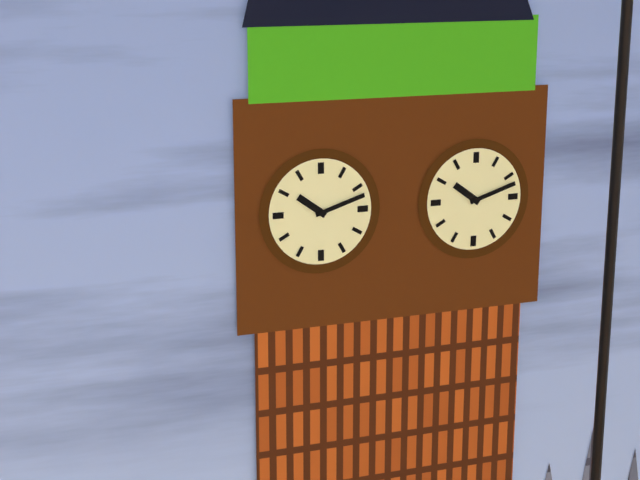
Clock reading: 10.12
